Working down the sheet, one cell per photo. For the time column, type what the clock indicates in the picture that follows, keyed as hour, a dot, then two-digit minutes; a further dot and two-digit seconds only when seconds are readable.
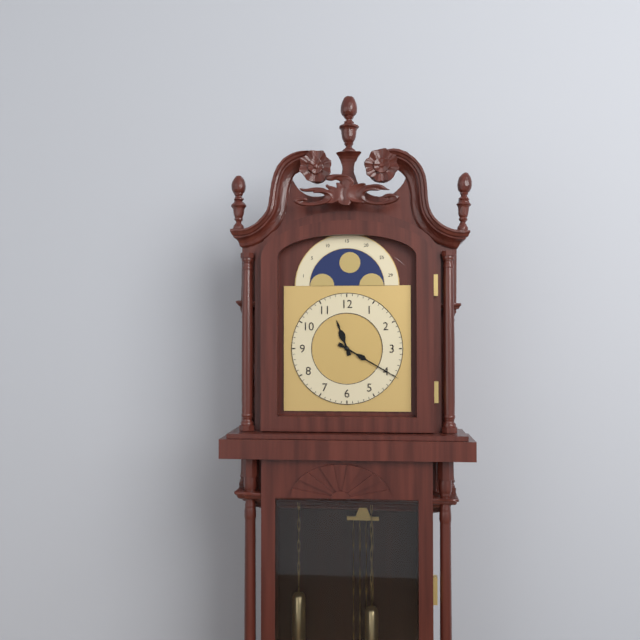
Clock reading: 11.20
